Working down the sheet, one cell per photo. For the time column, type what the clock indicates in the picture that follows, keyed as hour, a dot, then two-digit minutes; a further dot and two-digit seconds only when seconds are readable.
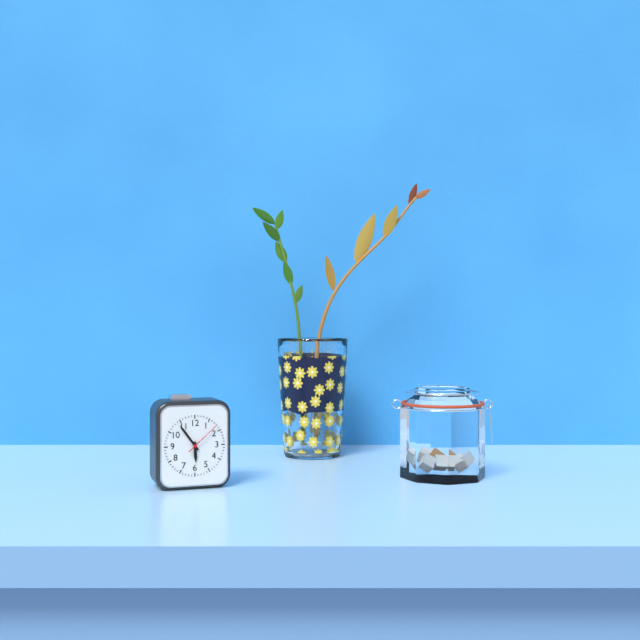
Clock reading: 5.54
